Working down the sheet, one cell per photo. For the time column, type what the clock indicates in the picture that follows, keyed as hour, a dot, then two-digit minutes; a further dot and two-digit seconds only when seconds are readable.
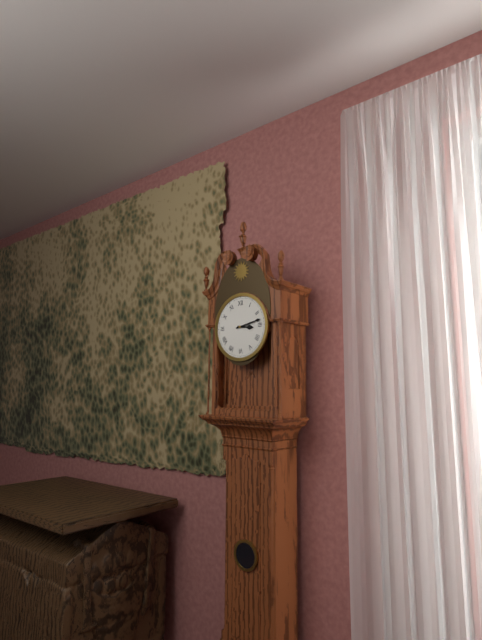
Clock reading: 3.13
